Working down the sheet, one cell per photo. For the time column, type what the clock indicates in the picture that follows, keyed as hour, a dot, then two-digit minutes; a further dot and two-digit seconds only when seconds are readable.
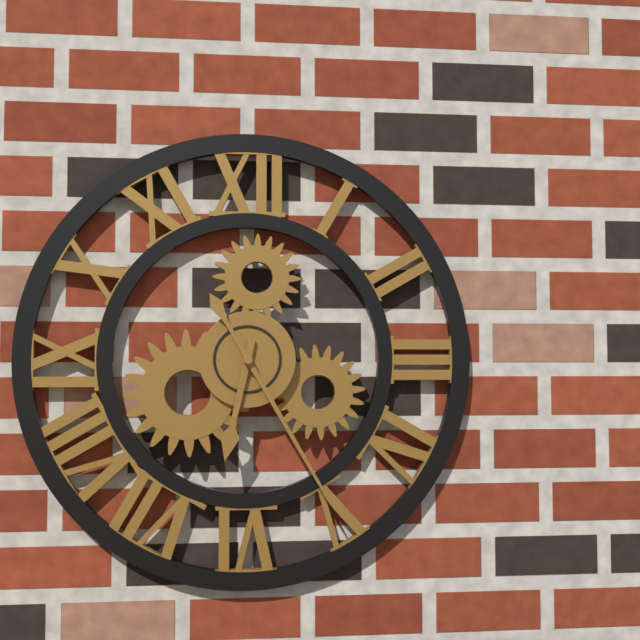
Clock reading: 6.25
